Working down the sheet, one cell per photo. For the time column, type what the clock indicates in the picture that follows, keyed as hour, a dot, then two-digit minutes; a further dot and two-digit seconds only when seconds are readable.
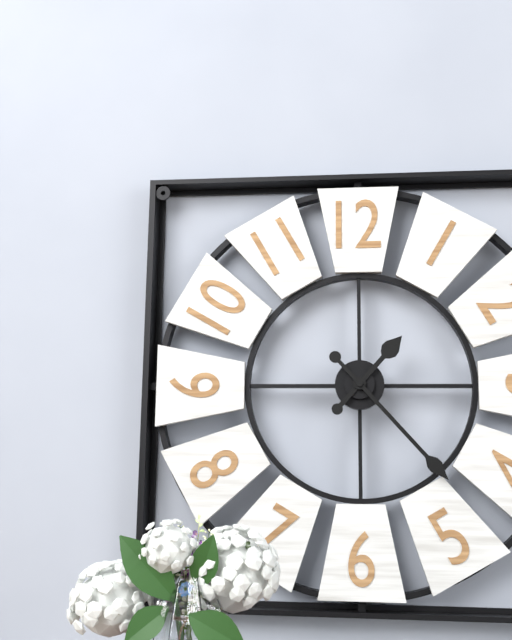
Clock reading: 1.23
